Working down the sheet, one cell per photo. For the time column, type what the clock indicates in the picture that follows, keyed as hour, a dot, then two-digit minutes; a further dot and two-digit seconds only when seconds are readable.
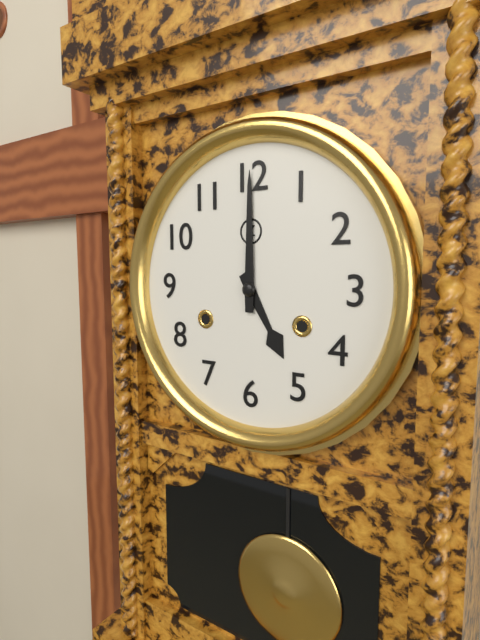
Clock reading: 5.00
